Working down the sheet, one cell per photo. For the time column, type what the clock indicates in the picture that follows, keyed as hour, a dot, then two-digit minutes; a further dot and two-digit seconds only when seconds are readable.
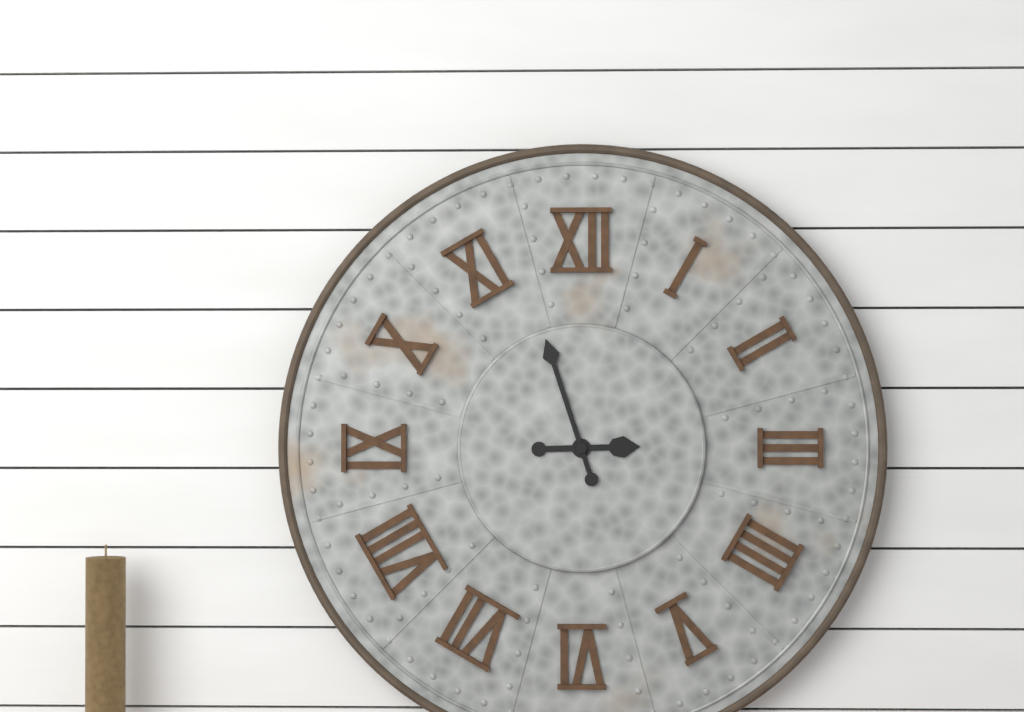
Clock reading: 2.57
